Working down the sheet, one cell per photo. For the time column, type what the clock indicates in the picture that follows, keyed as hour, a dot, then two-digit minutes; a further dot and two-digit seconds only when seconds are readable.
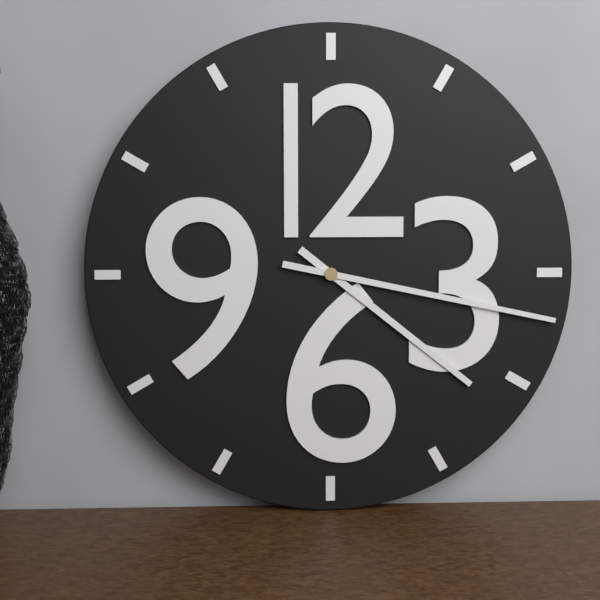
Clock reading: 4.17
